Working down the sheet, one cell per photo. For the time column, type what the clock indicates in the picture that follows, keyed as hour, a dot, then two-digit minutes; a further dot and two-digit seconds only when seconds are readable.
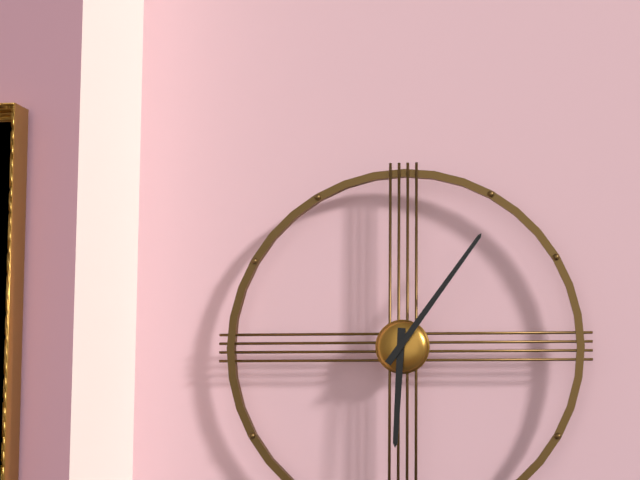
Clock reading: 6.06
